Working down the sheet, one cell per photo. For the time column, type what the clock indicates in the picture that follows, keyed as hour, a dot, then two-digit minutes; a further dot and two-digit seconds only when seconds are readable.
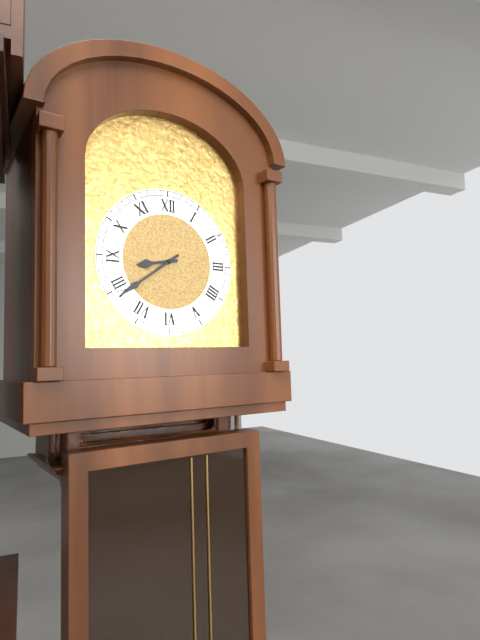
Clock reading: 8.39
